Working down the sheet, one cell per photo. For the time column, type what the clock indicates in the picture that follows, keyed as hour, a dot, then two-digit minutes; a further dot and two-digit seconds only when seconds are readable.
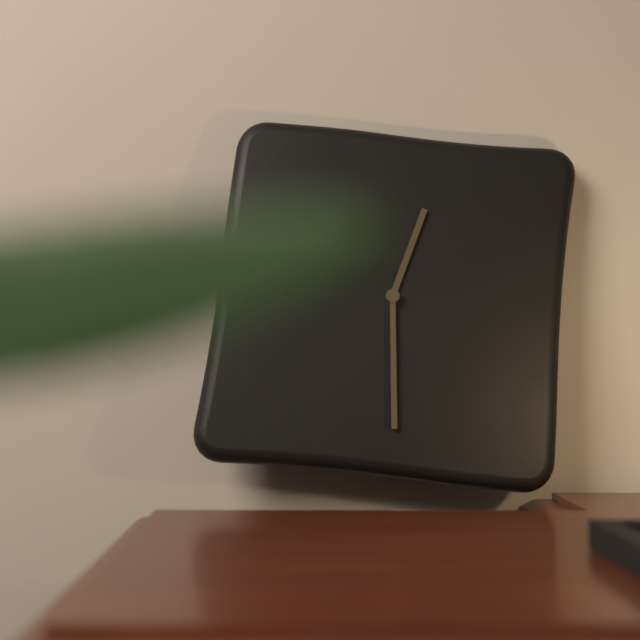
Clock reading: 12.29
